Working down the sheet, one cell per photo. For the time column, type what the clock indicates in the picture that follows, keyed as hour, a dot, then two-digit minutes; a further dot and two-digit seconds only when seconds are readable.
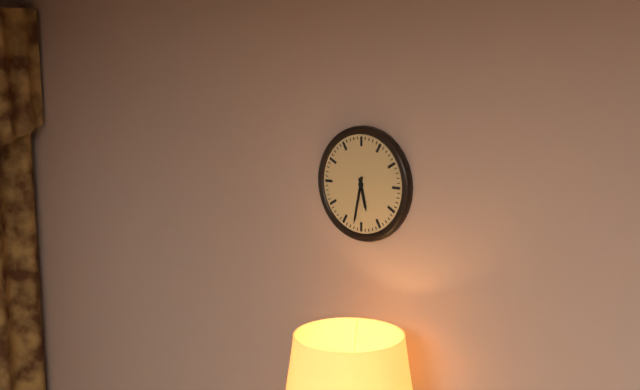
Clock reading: 5.32
